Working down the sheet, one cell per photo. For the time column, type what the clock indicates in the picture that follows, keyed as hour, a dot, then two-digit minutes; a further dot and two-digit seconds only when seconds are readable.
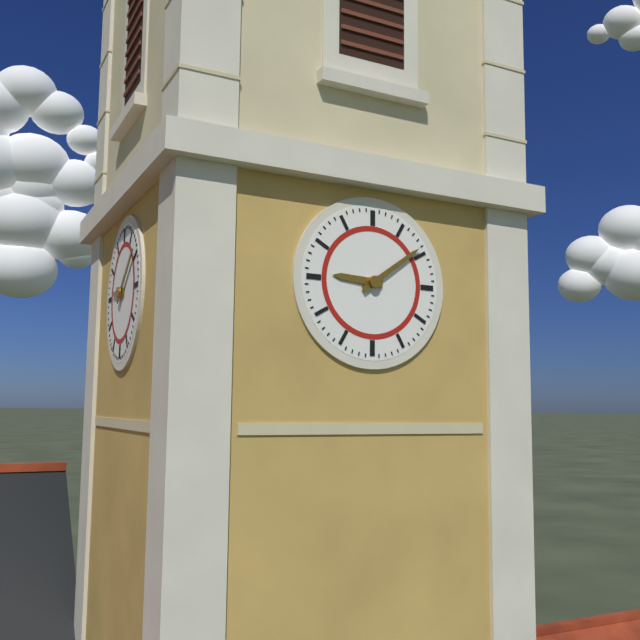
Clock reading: 9.09
